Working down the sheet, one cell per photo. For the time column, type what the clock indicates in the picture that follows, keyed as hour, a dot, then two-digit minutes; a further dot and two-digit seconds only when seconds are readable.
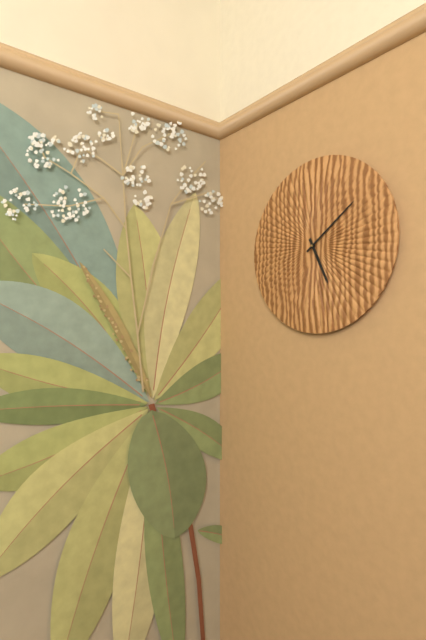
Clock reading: 5.09
